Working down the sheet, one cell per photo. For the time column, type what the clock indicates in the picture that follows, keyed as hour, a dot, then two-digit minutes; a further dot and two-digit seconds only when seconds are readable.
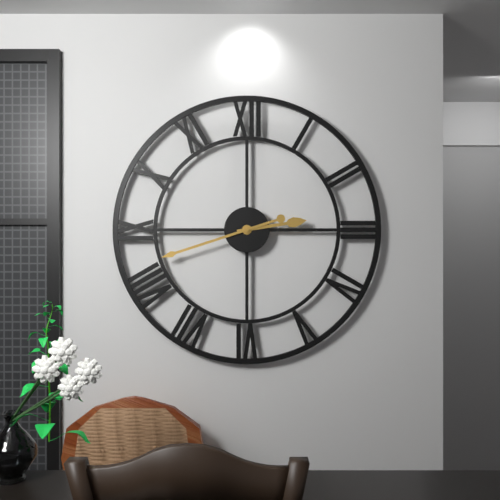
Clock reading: 2.42
